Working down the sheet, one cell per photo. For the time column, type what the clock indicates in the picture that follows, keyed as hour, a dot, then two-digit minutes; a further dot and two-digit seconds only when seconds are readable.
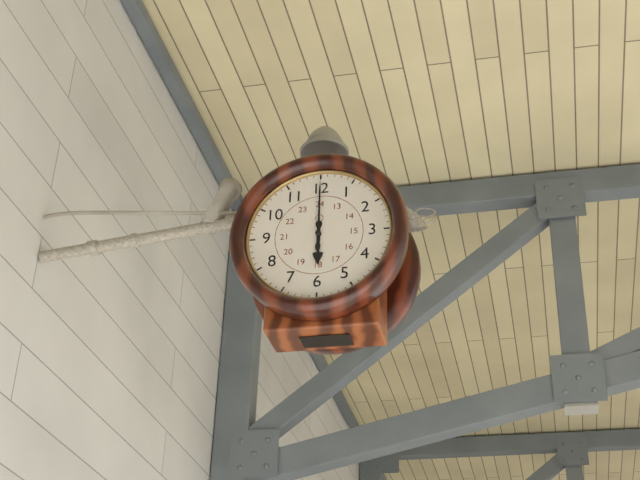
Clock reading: 6.00
